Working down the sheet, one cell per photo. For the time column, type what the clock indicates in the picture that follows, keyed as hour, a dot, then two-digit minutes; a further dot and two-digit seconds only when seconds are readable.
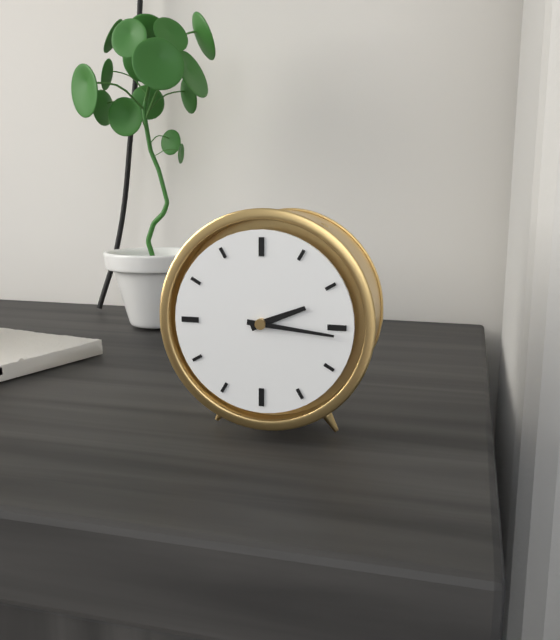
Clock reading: 2.16
